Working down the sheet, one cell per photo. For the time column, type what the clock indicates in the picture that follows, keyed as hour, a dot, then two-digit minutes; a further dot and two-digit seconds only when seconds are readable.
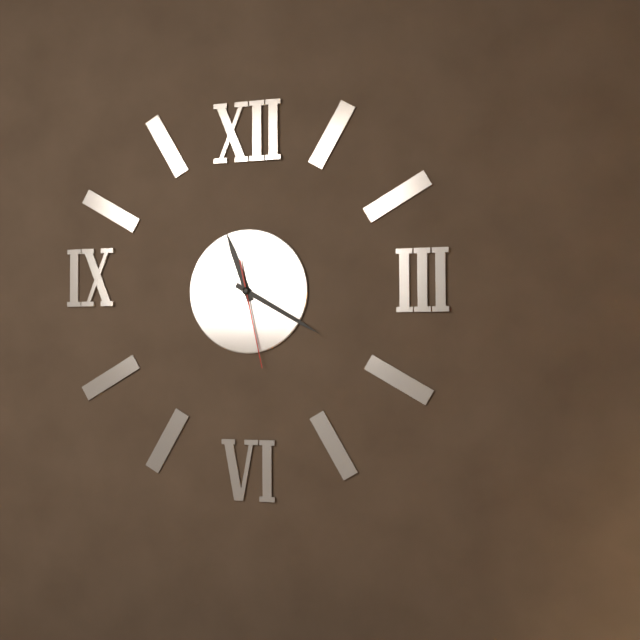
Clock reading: 11.20.28
